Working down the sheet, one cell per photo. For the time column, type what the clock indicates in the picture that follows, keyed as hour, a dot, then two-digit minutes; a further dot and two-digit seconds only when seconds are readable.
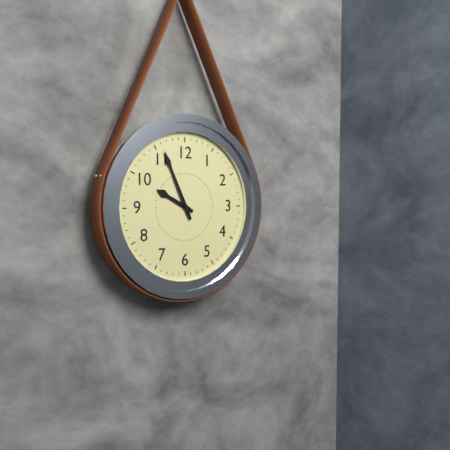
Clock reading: 9.56
